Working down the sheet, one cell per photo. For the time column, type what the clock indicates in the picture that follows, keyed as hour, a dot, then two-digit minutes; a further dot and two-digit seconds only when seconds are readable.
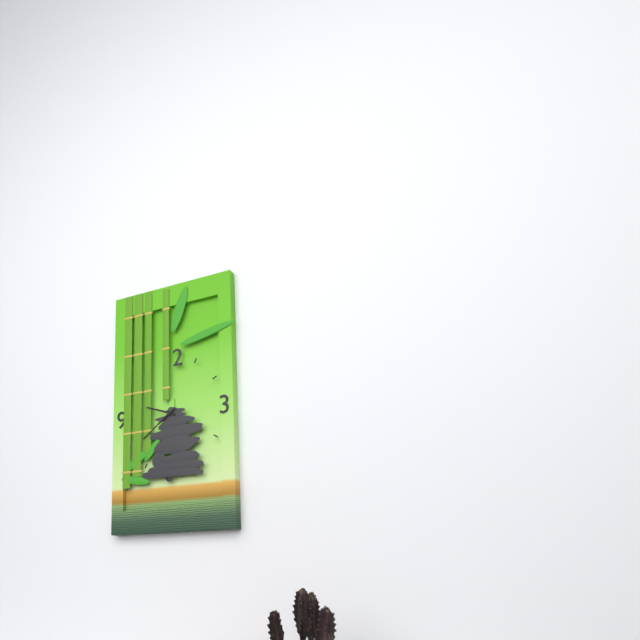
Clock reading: 9.39
